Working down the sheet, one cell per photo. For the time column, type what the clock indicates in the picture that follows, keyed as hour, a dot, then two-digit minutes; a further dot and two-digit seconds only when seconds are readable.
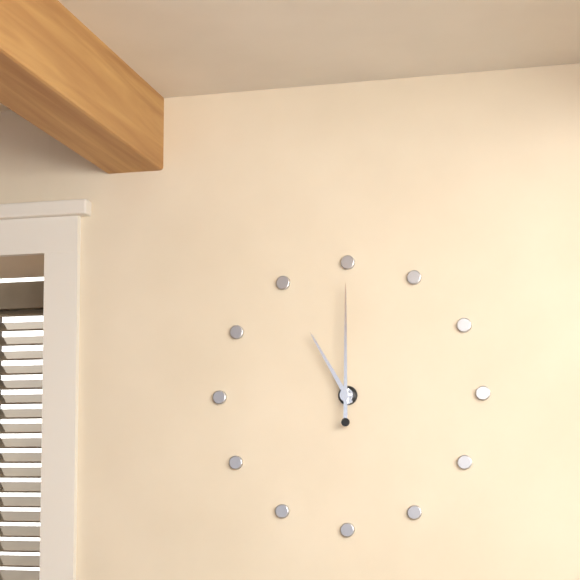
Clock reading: 11.00
